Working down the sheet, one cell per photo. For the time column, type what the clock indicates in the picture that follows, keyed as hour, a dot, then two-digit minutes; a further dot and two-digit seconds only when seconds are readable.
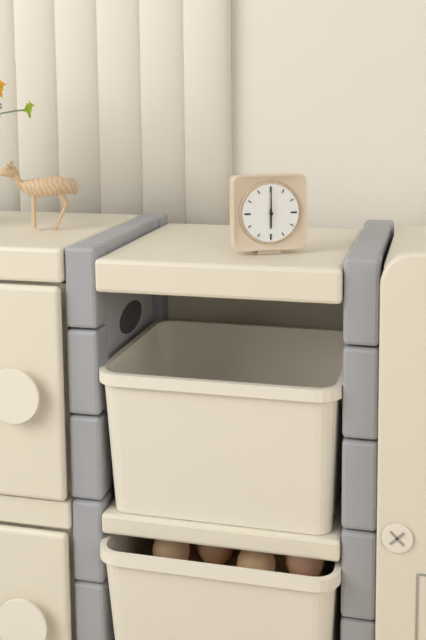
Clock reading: 6.00
